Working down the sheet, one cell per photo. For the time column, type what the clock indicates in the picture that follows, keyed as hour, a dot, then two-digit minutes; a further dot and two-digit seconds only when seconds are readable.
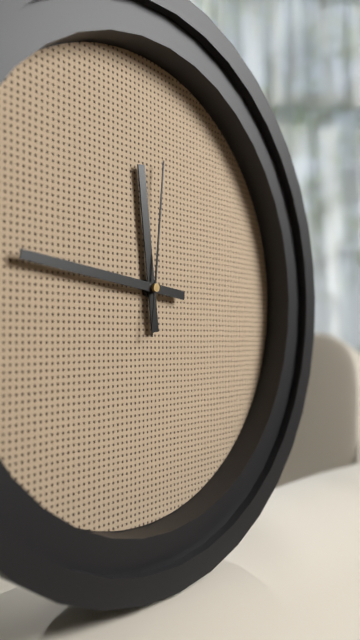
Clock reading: 11.46.01
